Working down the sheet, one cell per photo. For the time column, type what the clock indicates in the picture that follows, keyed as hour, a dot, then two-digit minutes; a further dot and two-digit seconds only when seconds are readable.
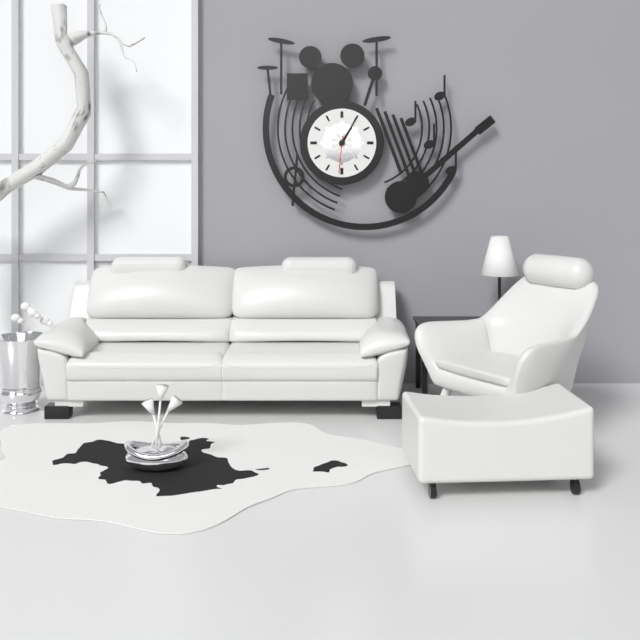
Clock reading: 1.05
